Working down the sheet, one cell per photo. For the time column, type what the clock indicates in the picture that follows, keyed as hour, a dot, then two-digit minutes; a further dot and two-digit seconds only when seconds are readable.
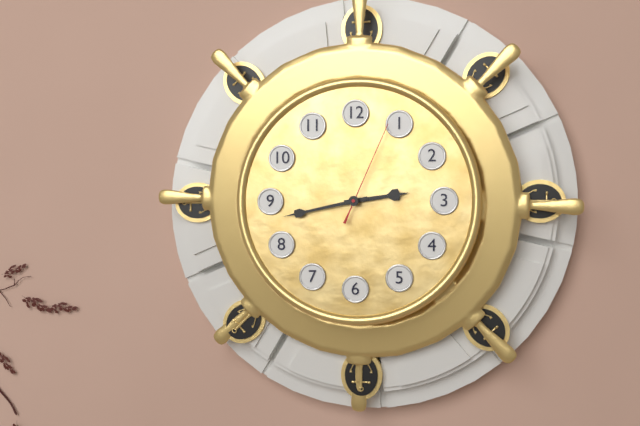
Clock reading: 2.43.04
